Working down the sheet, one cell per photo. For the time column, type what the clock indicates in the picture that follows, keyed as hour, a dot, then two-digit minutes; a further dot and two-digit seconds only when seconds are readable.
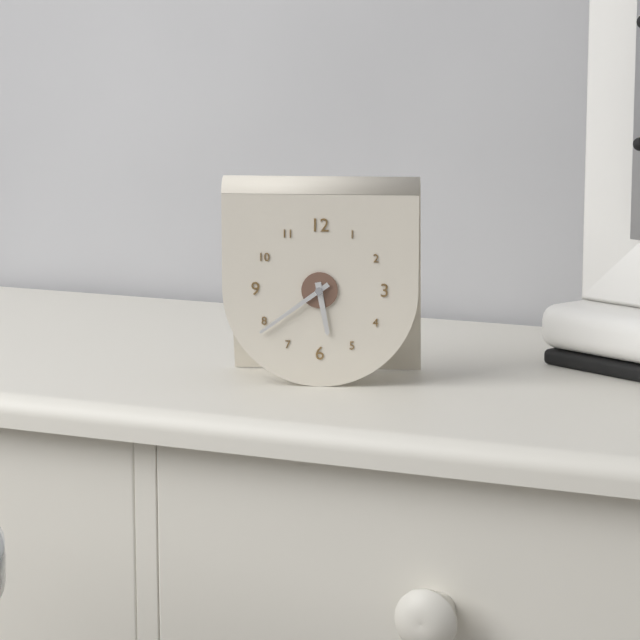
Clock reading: 5.39
